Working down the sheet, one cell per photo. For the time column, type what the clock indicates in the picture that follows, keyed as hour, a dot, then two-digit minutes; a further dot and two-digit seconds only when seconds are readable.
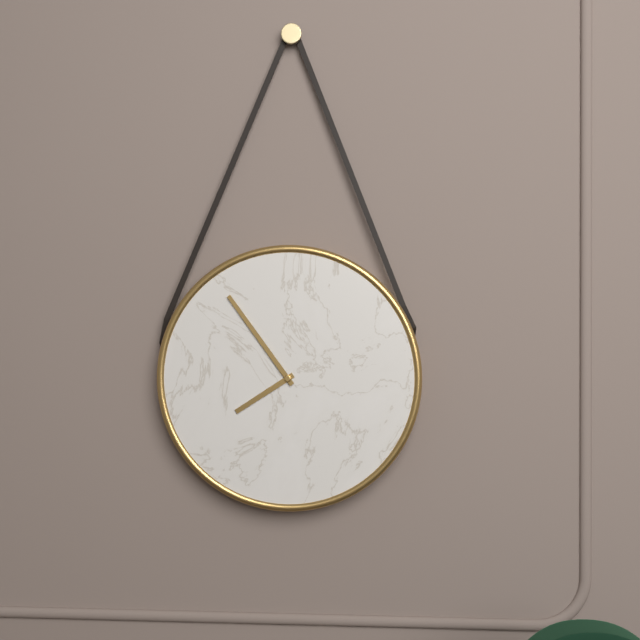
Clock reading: 7.54
